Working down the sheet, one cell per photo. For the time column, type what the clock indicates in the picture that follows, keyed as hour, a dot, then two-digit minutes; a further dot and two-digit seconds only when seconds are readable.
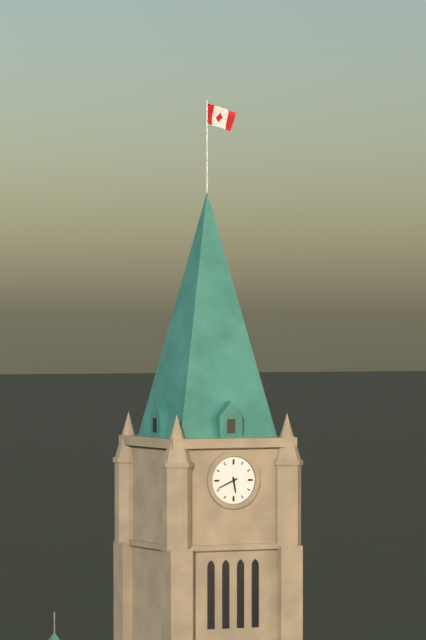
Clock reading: 5.41
